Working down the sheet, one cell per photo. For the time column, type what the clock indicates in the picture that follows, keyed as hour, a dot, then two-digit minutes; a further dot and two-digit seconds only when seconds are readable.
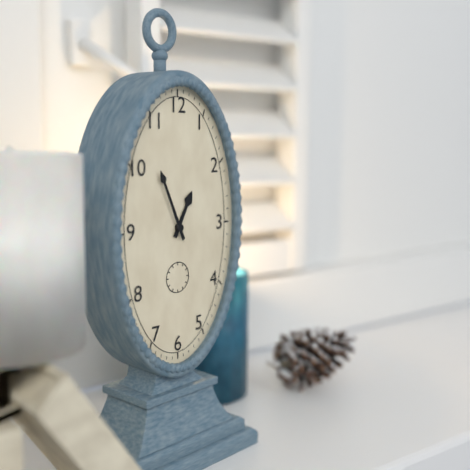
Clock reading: 12.56
